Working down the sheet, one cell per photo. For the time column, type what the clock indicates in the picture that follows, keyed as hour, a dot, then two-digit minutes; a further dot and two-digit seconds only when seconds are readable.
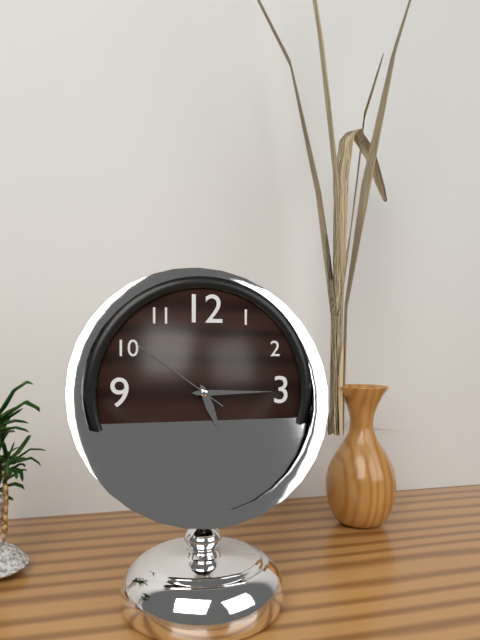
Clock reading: 5.15.51
